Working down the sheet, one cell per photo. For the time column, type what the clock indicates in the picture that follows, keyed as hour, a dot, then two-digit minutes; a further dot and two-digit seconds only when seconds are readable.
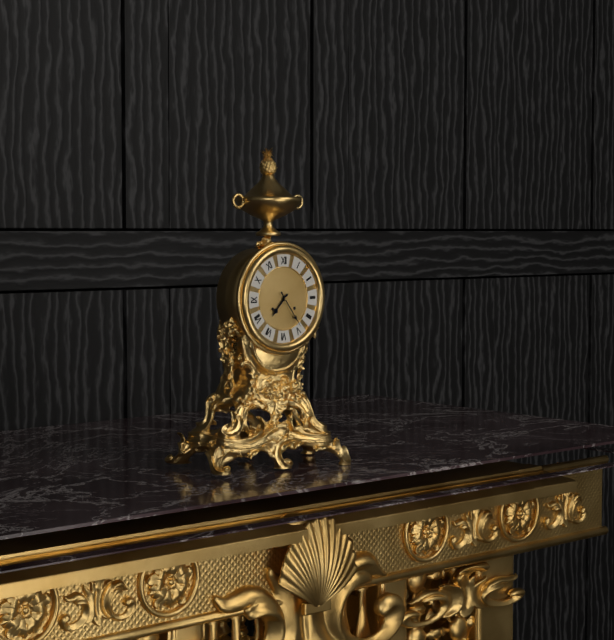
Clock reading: 7.24
